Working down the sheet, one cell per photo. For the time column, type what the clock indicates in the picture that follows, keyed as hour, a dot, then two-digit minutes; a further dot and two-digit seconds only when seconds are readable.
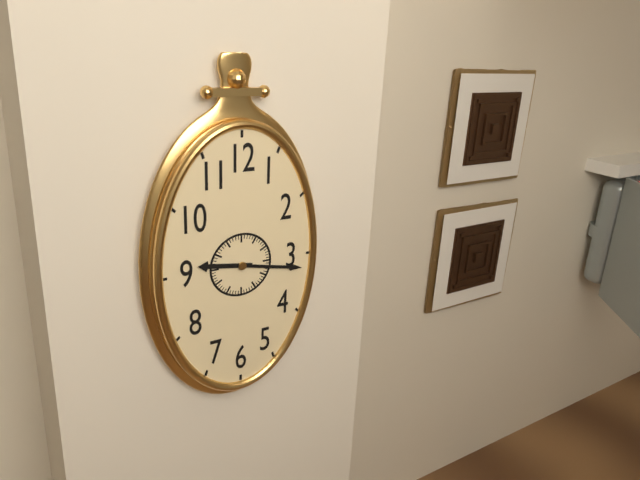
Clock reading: 9.17
